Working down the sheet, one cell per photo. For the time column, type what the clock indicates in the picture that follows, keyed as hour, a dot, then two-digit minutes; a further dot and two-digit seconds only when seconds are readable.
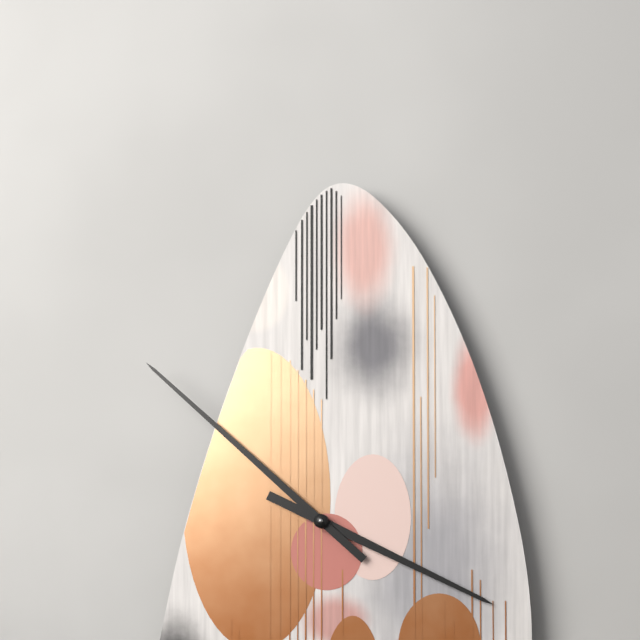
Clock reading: 3.52
